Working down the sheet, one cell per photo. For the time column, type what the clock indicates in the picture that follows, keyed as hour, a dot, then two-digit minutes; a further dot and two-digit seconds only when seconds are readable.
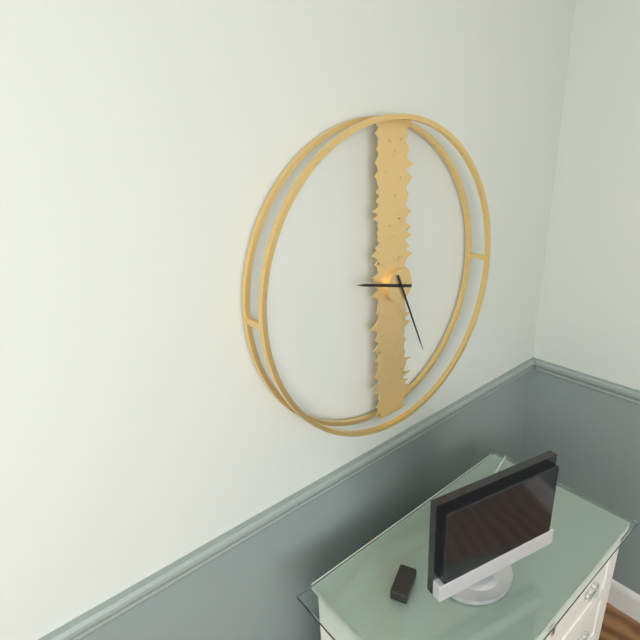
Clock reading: 9.26
